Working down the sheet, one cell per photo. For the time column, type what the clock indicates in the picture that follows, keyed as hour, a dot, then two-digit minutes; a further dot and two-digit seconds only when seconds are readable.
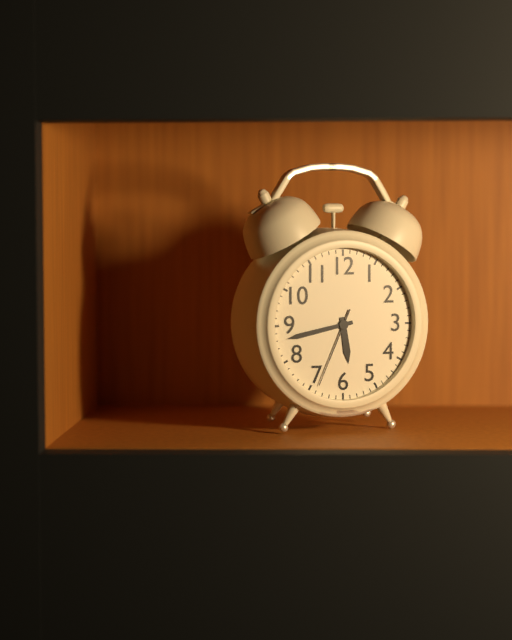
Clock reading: 5.43.34
